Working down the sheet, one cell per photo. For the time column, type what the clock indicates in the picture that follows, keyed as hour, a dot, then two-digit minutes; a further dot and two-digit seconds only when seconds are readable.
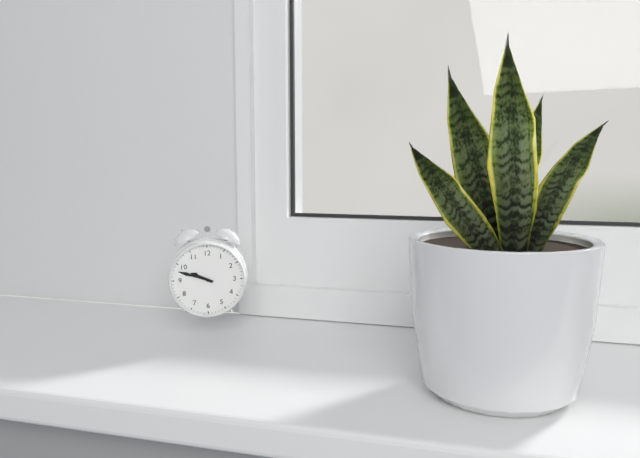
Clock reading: 9.48
